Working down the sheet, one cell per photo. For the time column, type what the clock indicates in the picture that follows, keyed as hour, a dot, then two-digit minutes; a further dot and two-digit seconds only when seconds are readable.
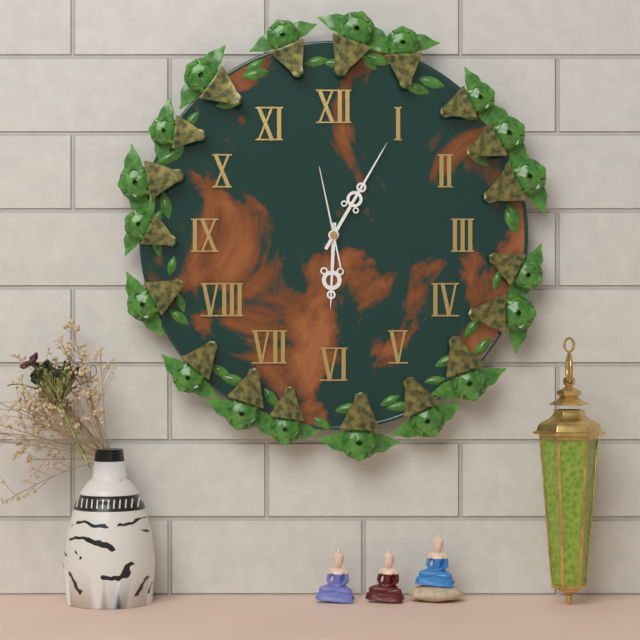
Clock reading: 6.05.58
